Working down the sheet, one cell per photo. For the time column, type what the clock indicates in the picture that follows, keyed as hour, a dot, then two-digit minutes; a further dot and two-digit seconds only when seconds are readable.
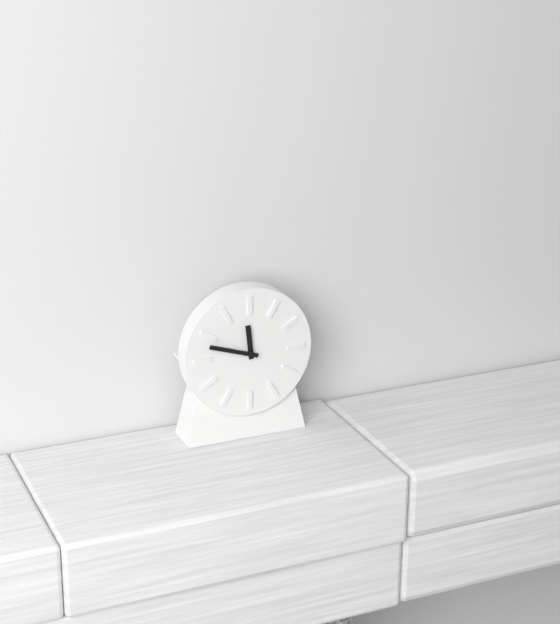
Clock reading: 11.48
